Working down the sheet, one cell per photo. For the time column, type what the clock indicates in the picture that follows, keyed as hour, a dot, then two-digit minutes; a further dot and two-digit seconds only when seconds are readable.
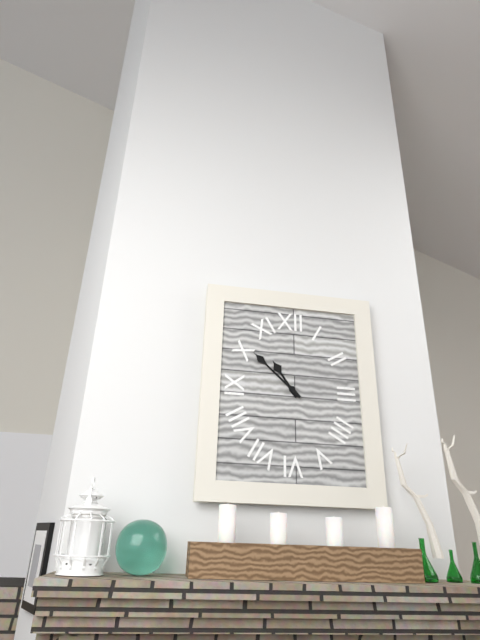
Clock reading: 10.52
